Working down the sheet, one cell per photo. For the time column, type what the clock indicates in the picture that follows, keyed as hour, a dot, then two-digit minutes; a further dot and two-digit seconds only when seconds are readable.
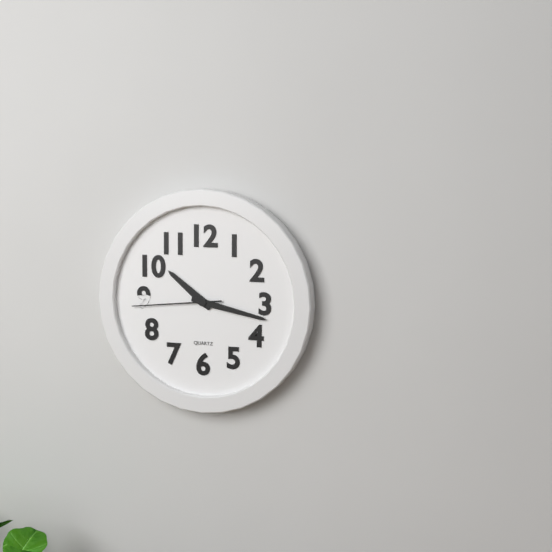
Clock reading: 10.17.44
